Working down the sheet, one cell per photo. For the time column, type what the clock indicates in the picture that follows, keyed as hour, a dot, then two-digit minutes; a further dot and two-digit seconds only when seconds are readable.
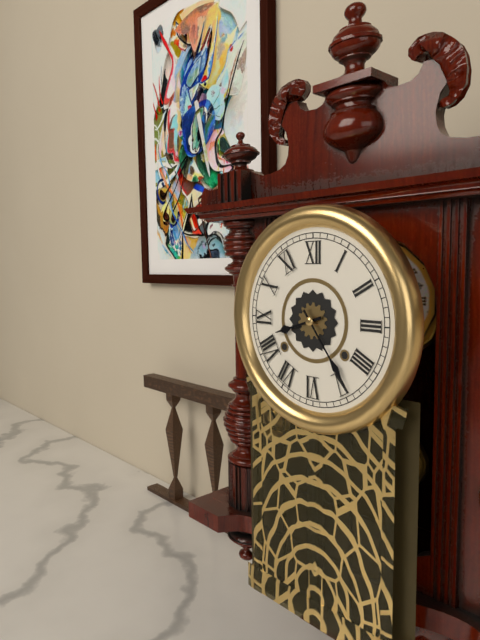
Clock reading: 8.24
